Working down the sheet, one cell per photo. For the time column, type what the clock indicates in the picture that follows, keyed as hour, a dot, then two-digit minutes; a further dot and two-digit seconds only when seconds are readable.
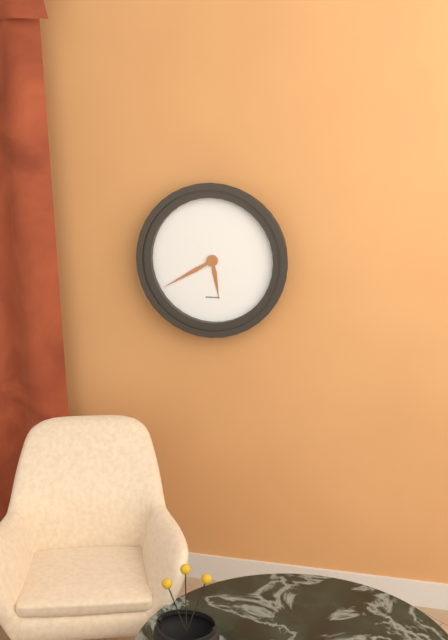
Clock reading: 5.40
